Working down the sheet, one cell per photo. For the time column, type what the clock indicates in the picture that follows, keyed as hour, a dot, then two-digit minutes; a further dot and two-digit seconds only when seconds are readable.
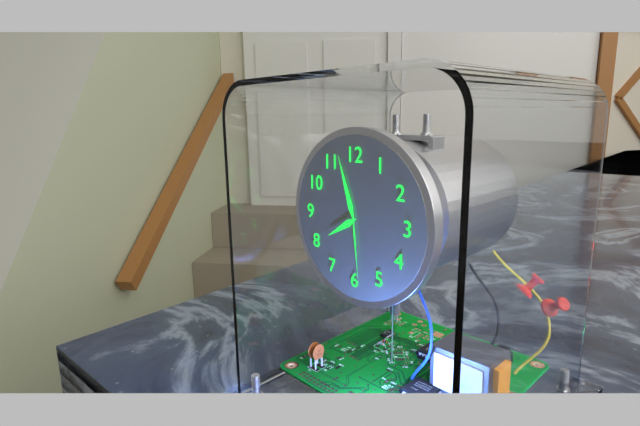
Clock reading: 7.57.29
